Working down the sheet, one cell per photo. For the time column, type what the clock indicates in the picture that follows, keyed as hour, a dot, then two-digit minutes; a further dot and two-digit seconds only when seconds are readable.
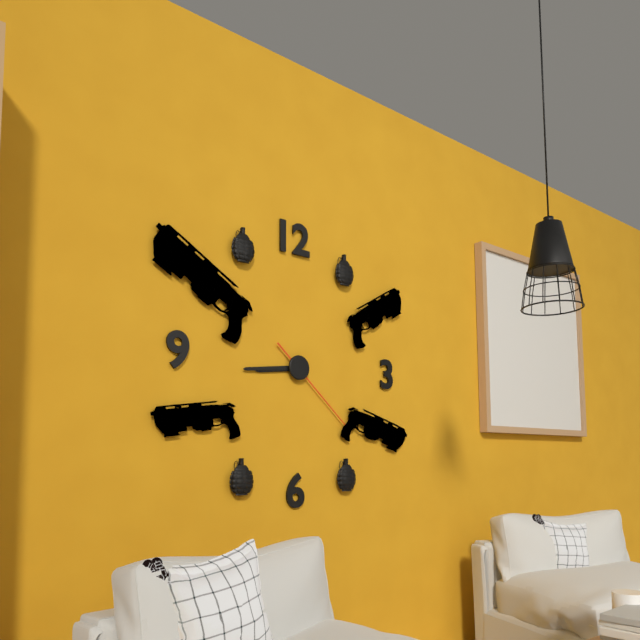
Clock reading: 8.44.22
